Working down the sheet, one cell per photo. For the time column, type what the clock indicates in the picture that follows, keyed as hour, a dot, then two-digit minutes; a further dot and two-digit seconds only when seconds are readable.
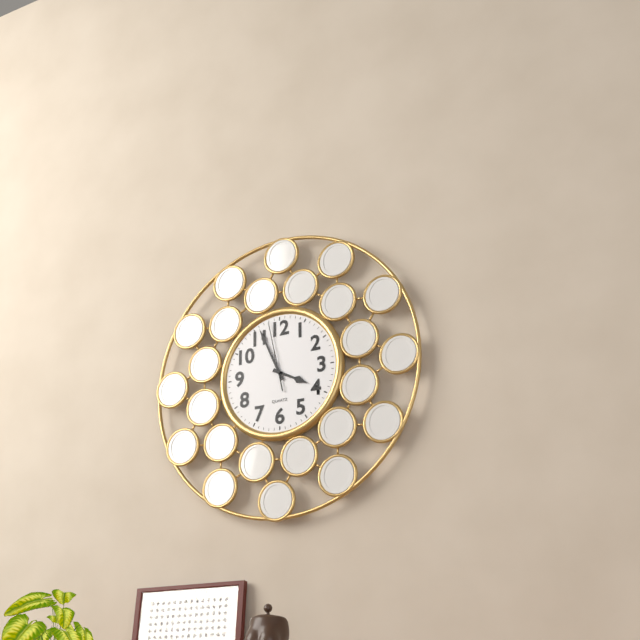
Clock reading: 3.56.58
